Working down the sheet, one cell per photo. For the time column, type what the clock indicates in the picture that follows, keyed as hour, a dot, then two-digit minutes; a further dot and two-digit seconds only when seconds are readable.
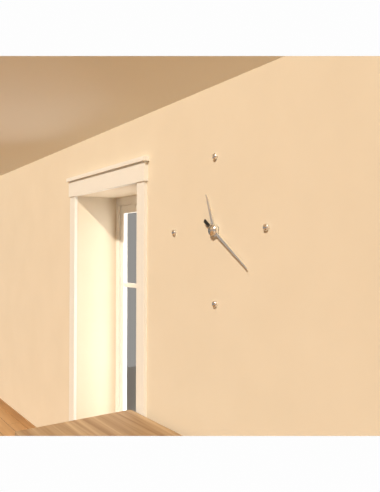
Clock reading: 11.21
